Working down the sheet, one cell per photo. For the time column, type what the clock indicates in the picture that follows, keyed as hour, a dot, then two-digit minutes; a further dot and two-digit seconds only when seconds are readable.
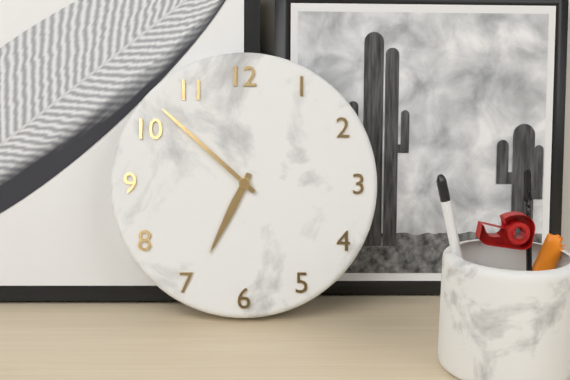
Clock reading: 6.52
